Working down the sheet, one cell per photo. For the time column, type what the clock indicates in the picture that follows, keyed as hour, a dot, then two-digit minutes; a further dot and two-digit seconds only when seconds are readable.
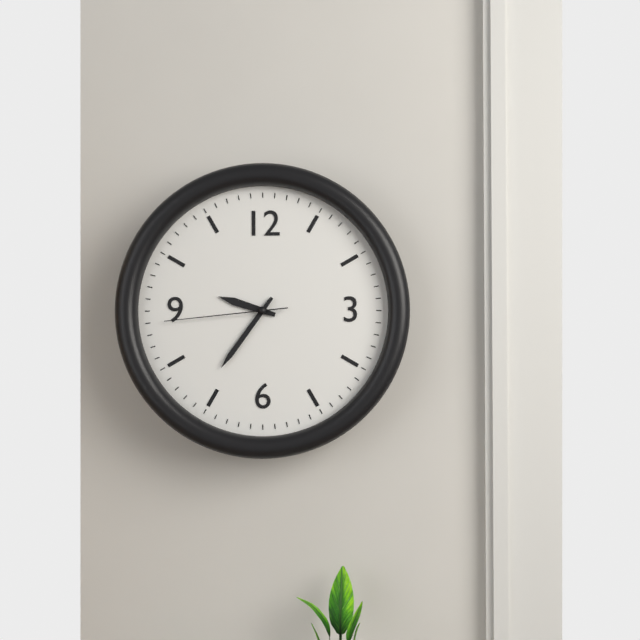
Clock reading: 9.36.44
